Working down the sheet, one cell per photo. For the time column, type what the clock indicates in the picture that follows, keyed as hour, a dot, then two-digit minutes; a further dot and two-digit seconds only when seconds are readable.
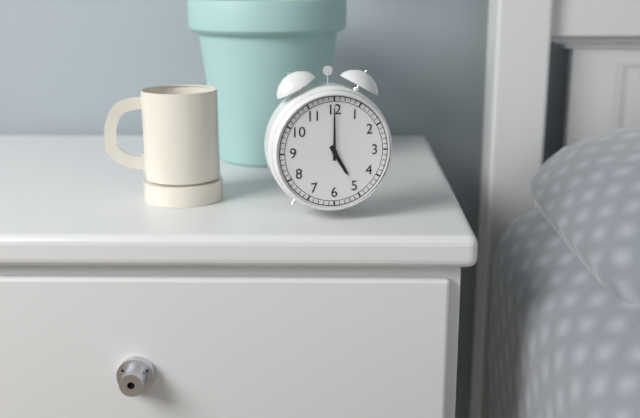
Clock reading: 5.00
